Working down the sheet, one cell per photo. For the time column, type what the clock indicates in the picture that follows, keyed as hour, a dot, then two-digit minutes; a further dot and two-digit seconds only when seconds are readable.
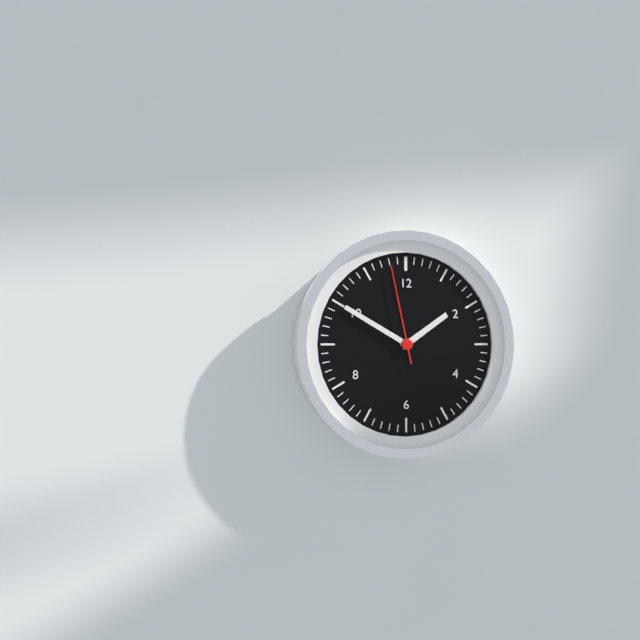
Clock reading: 1.50.58
